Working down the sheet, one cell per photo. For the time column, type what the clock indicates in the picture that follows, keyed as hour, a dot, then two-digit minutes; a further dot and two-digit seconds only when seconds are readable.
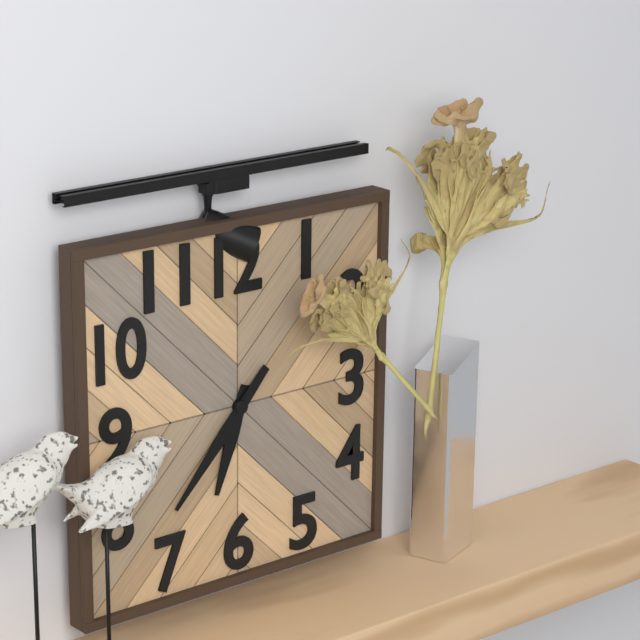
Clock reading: 6.37
